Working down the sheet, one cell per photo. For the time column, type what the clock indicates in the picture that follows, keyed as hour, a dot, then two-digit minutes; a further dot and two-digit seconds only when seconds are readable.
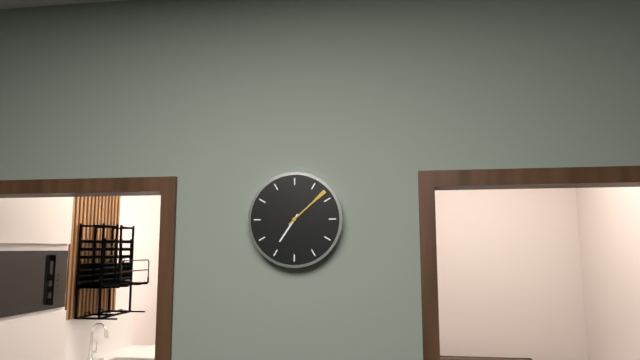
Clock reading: 7.08
